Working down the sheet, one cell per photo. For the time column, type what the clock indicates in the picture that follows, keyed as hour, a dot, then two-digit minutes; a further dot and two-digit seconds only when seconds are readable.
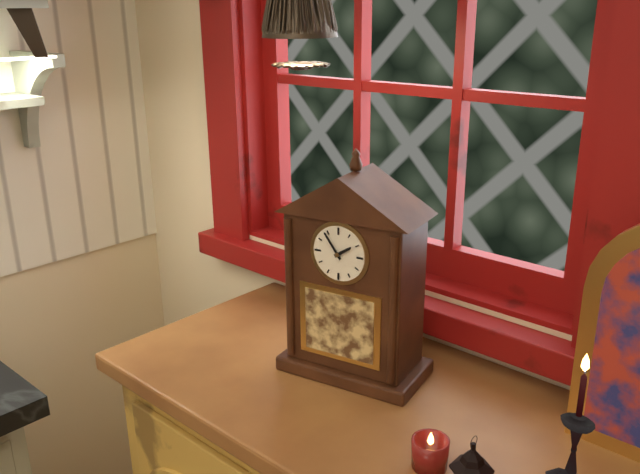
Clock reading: 1.54
